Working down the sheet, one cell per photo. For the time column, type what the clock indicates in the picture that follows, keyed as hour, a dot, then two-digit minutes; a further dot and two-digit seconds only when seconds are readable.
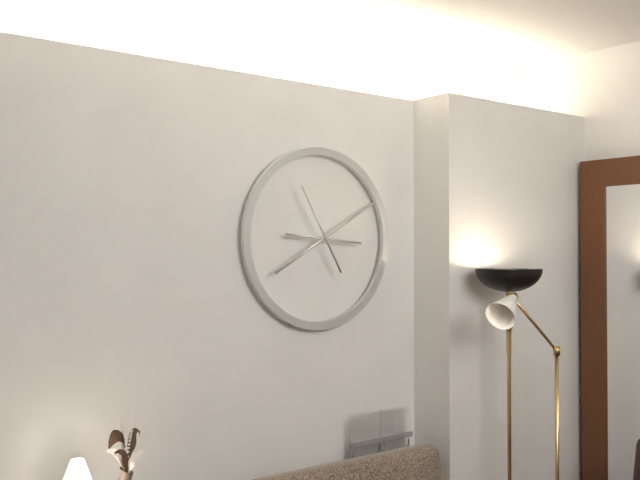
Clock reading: 3.10.55
